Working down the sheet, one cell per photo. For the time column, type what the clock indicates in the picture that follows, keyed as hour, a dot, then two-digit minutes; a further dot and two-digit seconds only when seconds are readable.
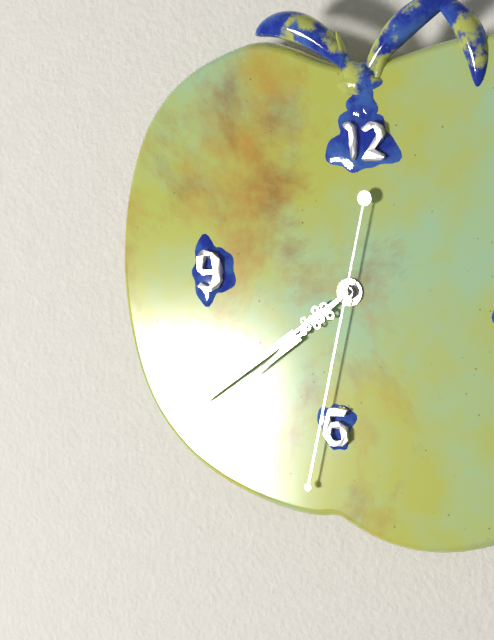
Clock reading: 7.39.32
